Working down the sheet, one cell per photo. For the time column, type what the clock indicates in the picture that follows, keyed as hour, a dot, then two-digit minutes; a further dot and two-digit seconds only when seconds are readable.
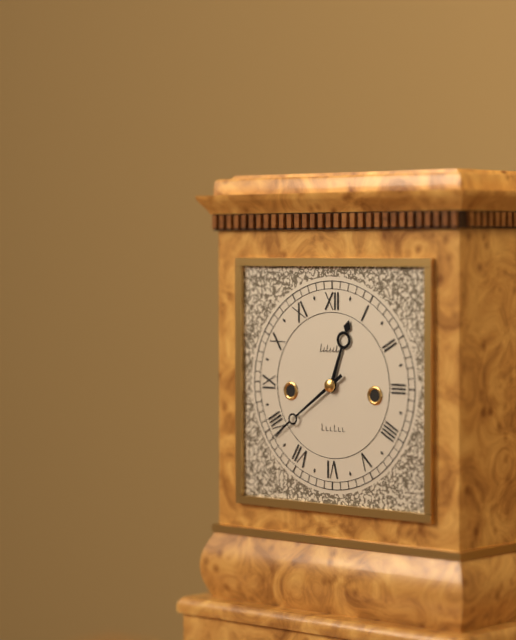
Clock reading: 12.39
